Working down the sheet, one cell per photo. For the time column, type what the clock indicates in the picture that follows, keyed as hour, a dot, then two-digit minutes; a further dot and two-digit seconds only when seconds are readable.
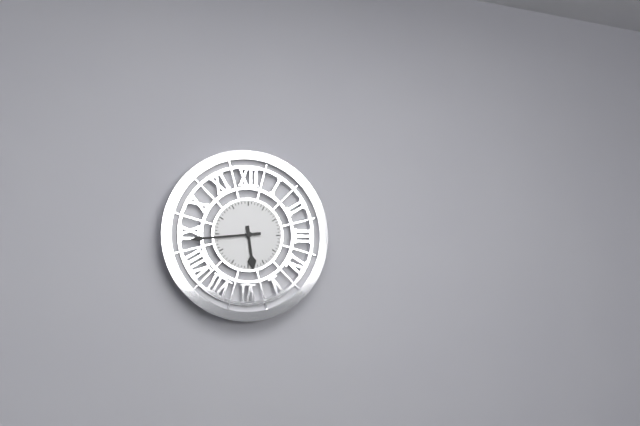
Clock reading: 5.44
